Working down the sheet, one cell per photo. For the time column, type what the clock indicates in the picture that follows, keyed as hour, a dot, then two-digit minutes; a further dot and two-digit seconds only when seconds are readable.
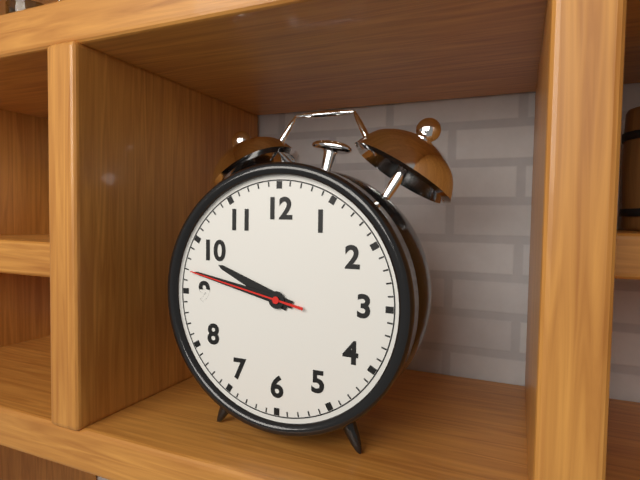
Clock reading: 9.47.47
